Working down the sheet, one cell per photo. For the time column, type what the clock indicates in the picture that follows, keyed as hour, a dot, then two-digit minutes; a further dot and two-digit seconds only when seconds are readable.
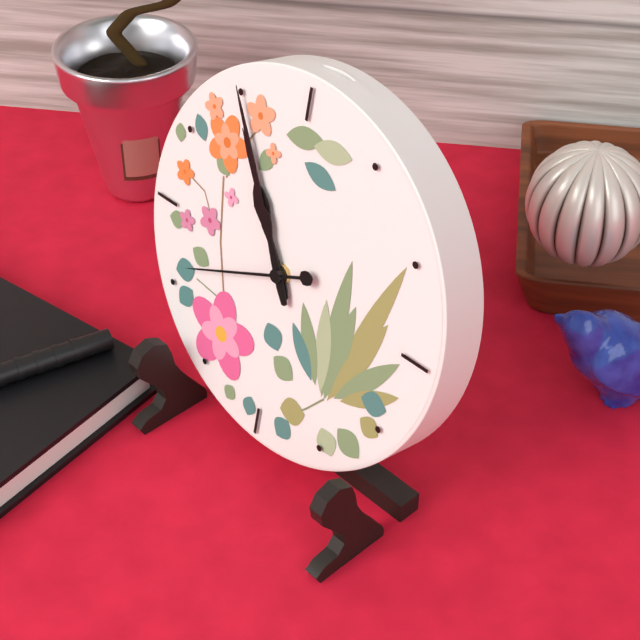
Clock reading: 10.55.41
